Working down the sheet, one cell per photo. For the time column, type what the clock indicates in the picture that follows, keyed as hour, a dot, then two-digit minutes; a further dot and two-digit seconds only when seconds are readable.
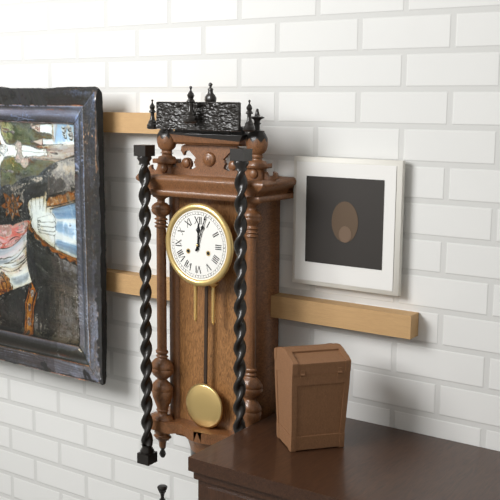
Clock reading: 12.03
